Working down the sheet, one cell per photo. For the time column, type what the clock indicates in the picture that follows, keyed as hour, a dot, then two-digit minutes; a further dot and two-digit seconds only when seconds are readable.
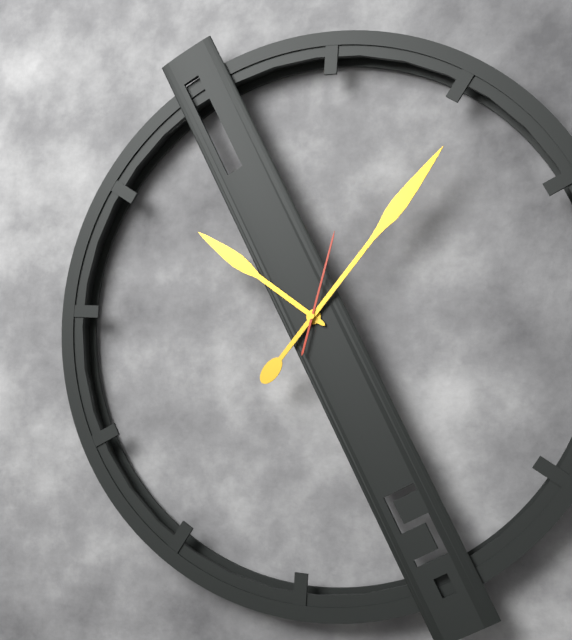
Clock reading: 10.06.02
